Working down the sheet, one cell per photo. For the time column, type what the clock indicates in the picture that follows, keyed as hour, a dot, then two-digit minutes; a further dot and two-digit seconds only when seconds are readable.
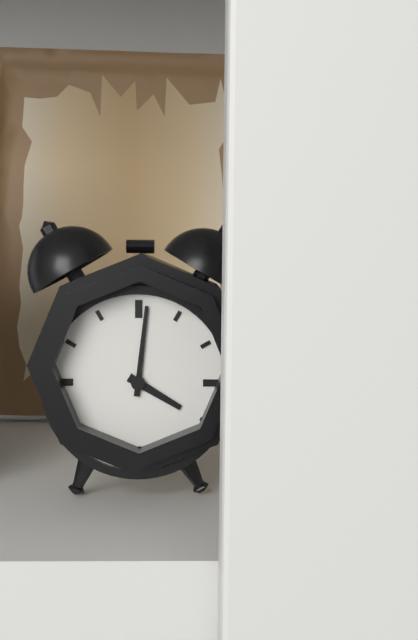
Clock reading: 4.01
